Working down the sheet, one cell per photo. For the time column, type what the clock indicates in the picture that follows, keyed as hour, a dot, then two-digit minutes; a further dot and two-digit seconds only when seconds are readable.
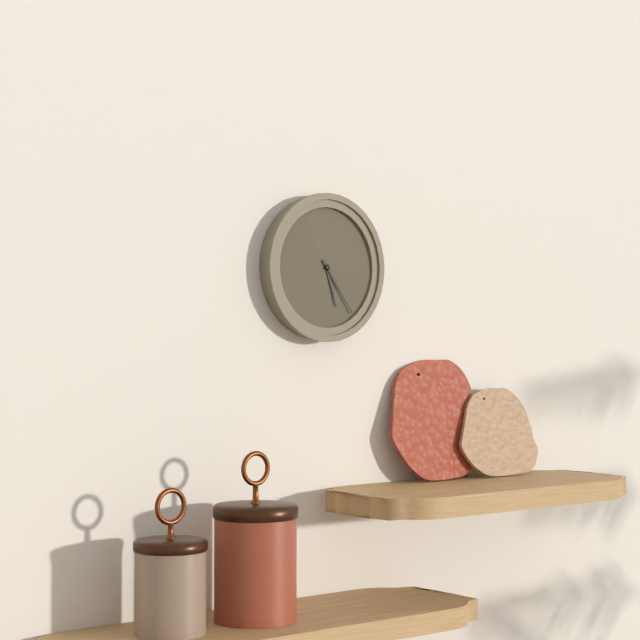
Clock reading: 5.24
